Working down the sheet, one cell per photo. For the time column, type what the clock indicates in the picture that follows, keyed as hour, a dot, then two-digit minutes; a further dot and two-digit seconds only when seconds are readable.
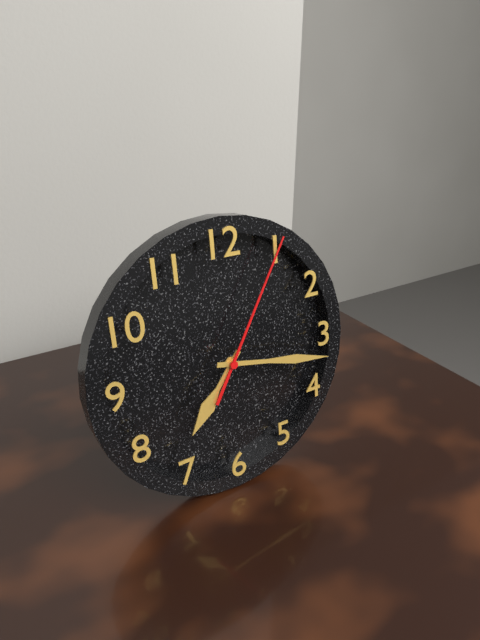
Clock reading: 7.17.05
